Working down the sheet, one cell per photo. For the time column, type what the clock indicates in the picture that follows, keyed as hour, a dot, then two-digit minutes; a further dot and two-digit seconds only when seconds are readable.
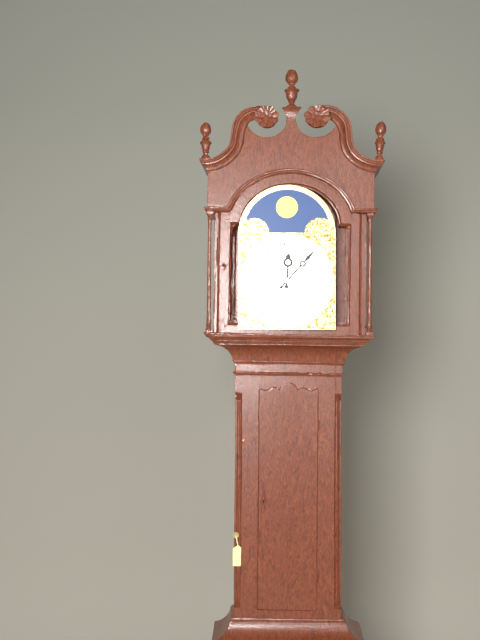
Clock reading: 12.07
